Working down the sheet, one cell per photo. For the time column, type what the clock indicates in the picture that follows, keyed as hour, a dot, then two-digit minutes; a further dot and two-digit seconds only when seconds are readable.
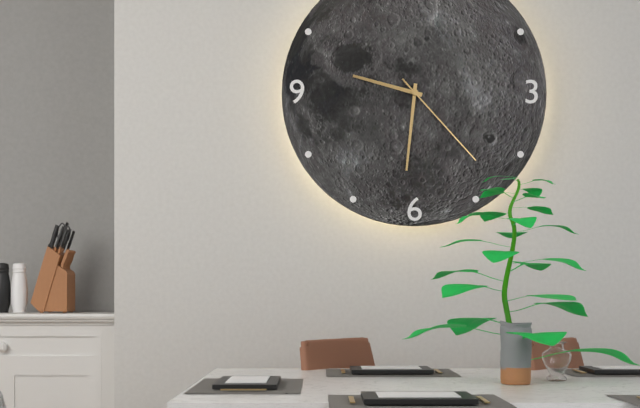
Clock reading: 9.31.23
